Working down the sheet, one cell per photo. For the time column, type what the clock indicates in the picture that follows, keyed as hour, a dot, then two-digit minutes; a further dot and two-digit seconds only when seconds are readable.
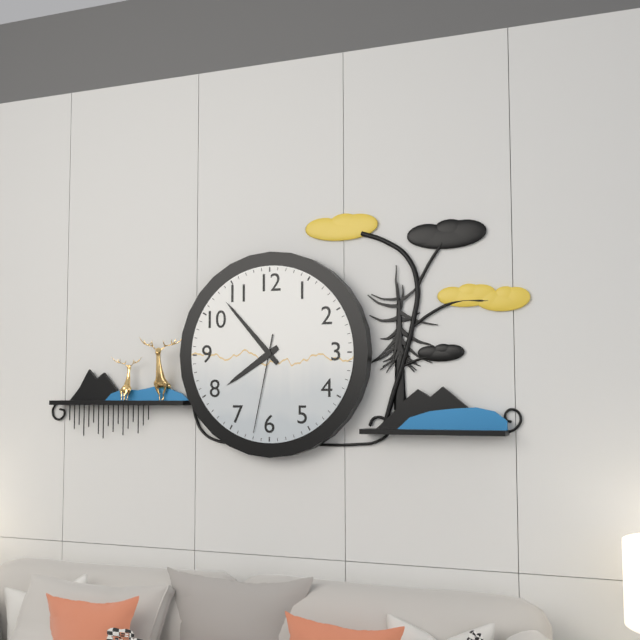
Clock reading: 7.53.32
